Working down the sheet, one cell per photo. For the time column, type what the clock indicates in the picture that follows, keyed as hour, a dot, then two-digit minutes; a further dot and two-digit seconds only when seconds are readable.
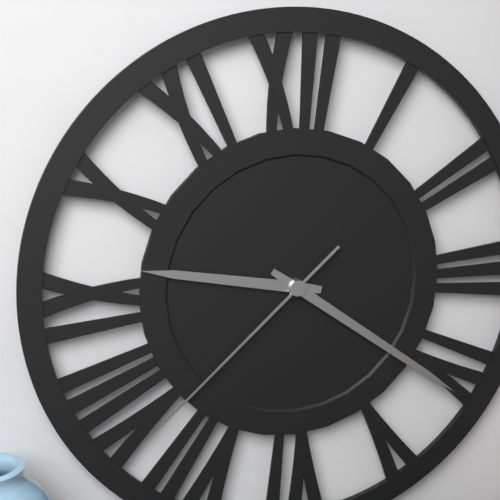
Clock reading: 9.21.38
